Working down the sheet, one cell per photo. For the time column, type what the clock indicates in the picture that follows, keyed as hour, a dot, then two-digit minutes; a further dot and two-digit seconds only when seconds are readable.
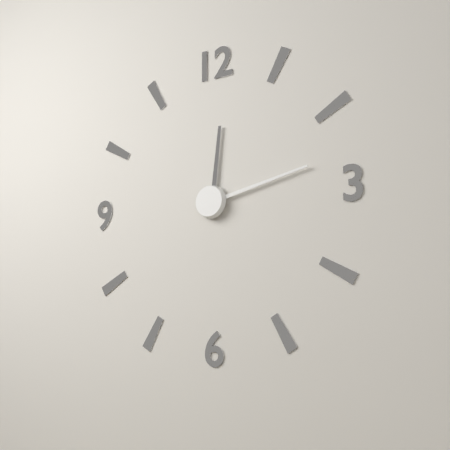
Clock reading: 12.13
